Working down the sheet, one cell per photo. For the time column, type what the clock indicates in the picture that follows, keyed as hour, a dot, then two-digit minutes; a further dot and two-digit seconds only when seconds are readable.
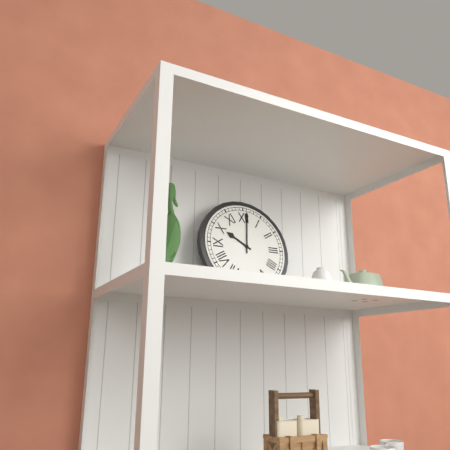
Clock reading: 10.01
